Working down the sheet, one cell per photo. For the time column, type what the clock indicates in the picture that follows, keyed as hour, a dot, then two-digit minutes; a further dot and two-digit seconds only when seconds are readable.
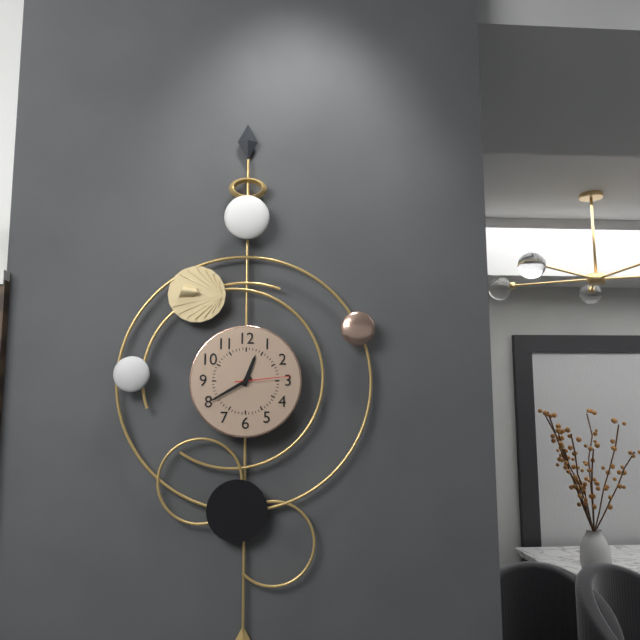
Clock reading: 12.40.14
